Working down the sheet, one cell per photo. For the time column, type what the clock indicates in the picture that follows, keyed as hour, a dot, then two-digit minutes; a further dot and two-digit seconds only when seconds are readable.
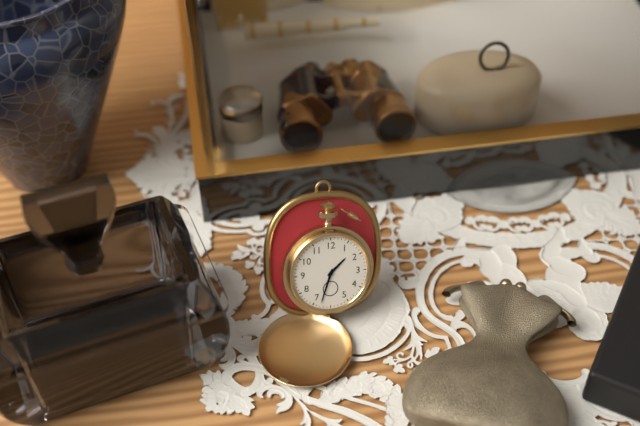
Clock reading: 1.33
